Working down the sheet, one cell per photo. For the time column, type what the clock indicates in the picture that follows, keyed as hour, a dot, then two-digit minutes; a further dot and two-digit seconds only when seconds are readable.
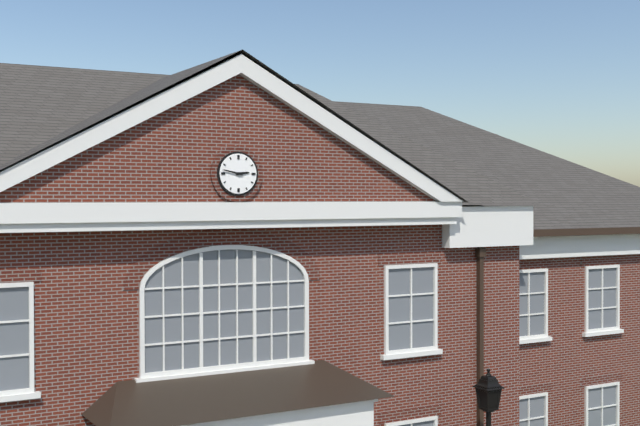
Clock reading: 2.47
